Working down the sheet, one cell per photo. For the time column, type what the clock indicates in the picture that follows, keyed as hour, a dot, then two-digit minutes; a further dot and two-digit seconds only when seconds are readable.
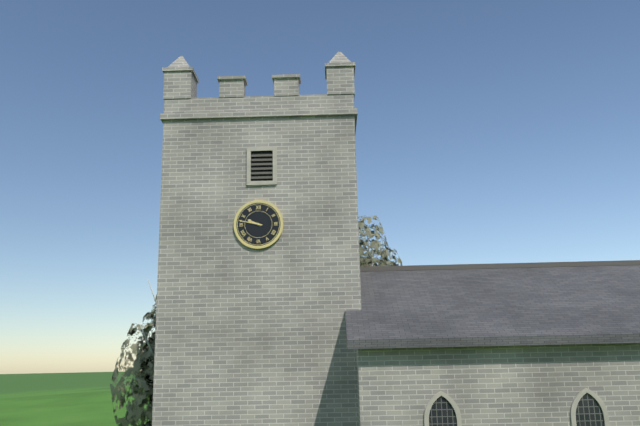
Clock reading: 9.47
